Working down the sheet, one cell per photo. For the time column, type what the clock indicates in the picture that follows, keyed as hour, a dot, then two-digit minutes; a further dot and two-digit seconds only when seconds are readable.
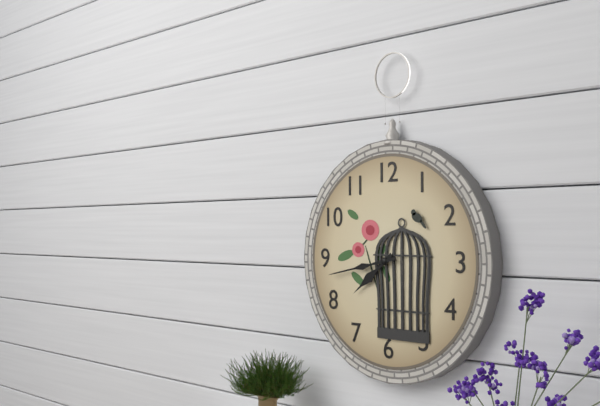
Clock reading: 7.43
